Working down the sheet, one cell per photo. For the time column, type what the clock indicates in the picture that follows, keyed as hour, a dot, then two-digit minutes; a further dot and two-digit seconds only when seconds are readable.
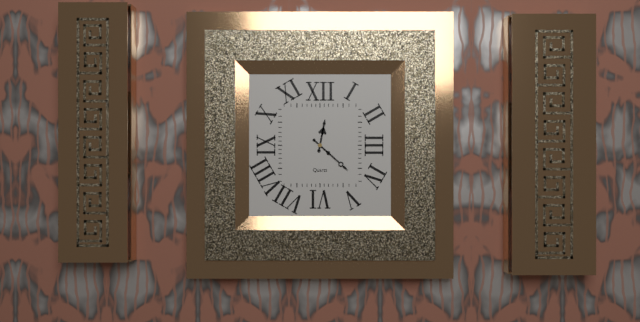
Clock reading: 12.22
